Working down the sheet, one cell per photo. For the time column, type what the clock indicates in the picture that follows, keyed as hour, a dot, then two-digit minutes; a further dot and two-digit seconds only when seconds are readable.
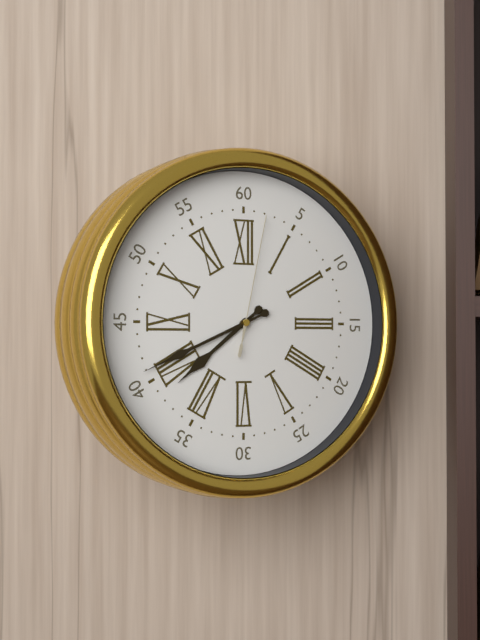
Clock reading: 7.41.02
